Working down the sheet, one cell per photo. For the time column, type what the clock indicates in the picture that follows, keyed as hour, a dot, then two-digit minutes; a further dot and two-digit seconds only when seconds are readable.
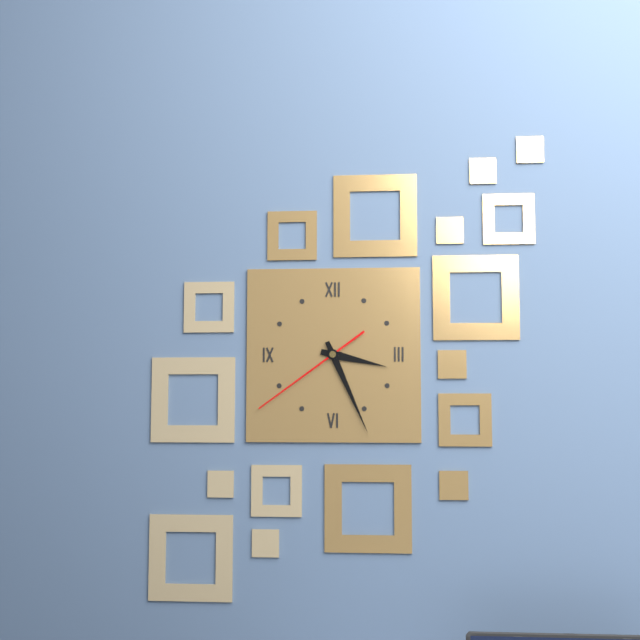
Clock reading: 3.26.39
